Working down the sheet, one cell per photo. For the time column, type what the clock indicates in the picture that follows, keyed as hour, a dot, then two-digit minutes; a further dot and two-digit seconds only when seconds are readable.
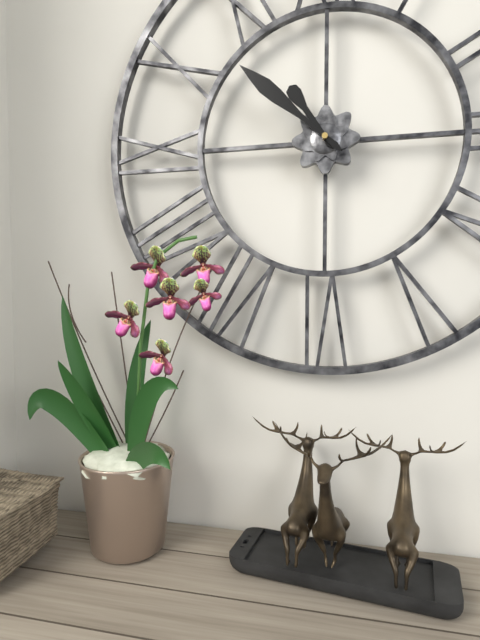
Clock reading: 10.52
